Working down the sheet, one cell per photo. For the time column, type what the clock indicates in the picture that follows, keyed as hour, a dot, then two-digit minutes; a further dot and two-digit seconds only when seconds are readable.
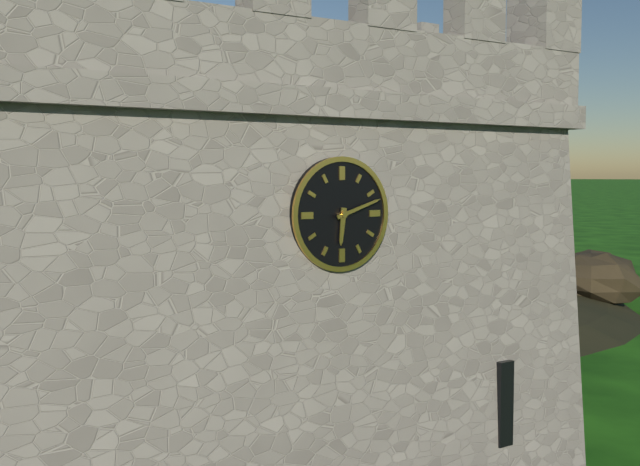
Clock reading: 6.12
